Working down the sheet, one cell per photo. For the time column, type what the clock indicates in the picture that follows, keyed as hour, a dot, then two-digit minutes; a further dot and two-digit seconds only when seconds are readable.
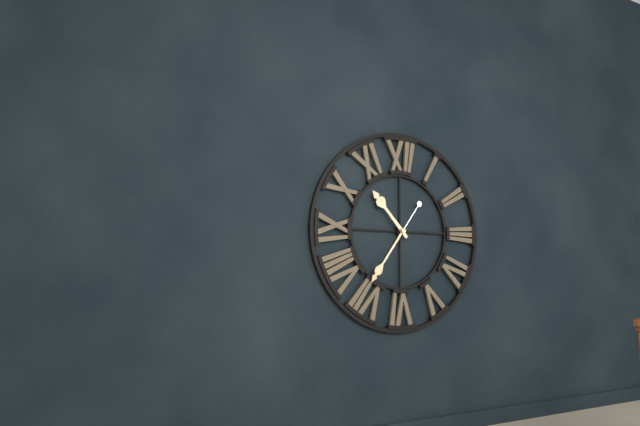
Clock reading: 10.36
